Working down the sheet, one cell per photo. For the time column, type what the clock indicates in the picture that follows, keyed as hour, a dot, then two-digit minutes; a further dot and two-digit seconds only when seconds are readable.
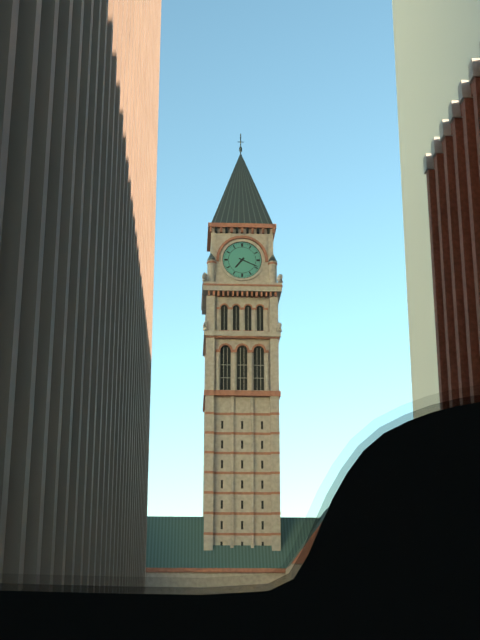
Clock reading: 7.19
